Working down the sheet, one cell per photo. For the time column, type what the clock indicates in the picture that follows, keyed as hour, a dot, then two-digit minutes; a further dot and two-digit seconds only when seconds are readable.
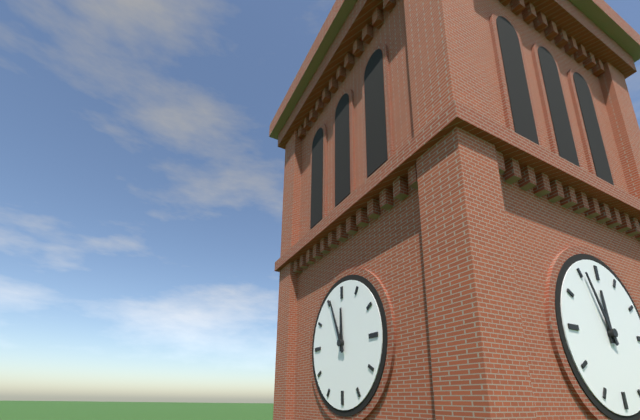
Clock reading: 11.56
